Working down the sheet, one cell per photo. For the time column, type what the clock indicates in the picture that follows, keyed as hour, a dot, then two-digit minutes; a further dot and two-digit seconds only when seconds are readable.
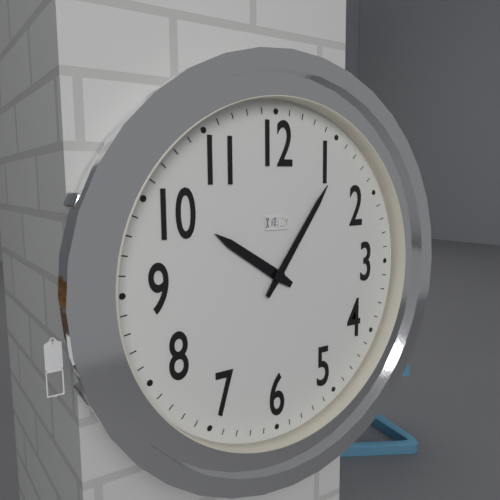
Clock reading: 10.06
